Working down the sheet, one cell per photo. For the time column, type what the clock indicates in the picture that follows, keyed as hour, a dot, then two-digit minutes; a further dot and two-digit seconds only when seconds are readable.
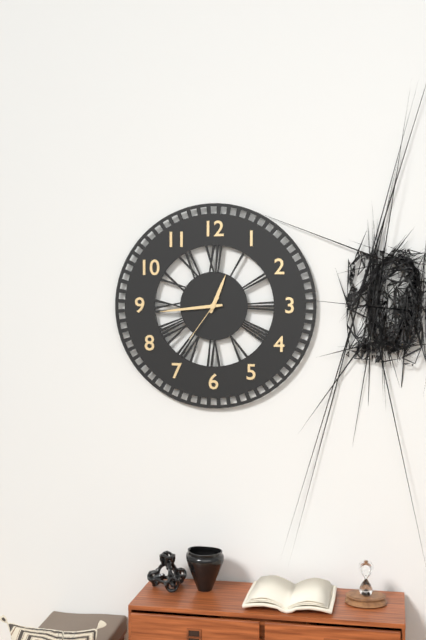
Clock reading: 12.44.36
